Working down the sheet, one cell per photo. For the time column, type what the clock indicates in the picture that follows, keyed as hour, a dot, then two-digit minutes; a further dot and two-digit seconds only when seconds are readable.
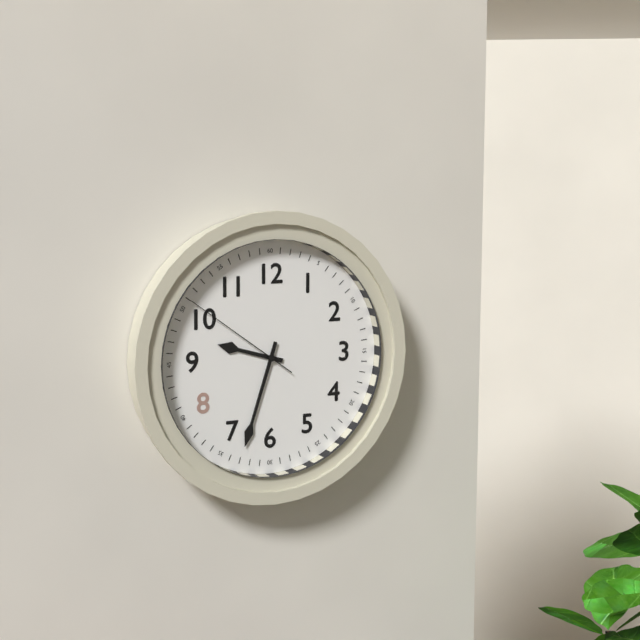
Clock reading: 9.33.51
